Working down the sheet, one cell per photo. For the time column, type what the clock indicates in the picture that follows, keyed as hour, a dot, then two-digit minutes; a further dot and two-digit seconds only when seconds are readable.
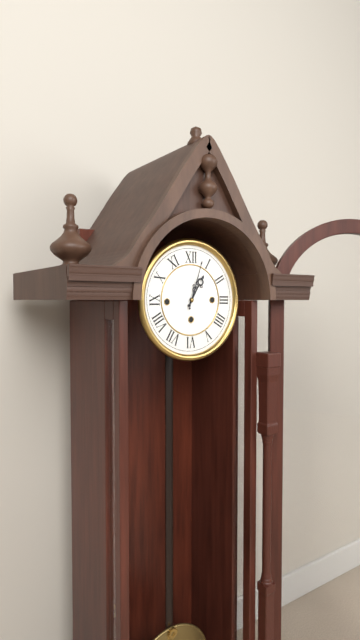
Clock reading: 1.03
